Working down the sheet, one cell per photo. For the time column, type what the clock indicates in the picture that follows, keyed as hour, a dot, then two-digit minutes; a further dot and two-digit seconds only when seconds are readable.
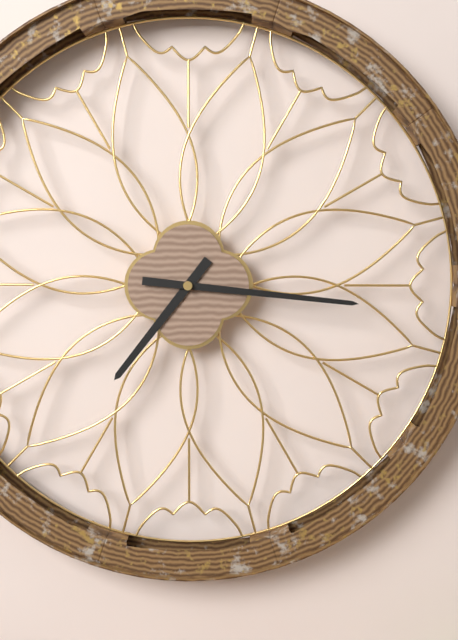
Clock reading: 7.16
